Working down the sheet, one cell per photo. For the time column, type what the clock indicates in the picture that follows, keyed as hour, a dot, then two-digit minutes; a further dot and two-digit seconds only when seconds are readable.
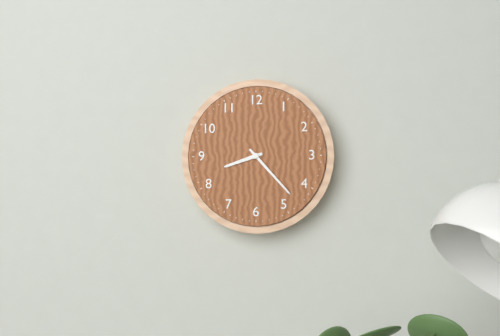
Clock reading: 8.23
